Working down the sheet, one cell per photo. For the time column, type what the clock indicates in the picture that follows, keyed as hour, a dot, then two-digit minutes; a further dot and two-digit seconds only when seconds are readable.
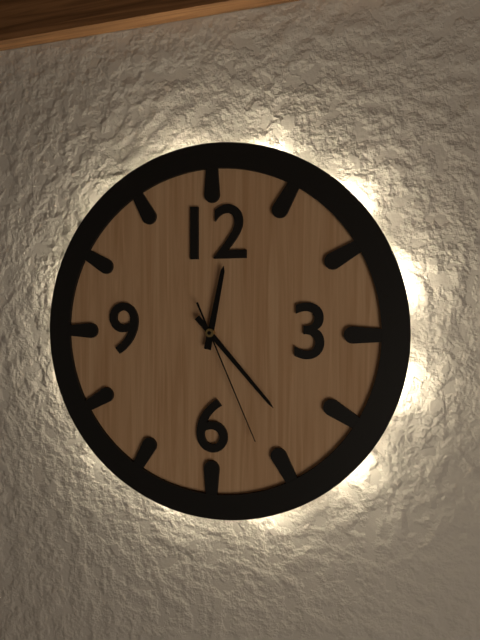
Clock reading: 12.23.26
